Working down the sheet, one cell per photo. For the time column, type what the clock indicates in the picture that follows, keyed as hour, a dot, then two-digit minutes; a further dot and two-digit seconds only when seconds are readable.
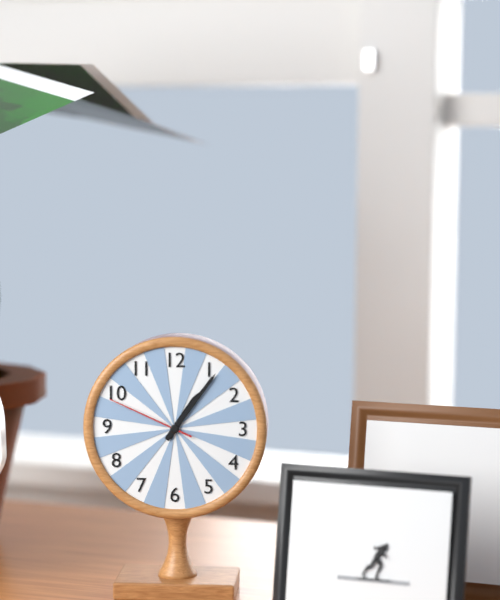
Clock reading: 1.06.49
